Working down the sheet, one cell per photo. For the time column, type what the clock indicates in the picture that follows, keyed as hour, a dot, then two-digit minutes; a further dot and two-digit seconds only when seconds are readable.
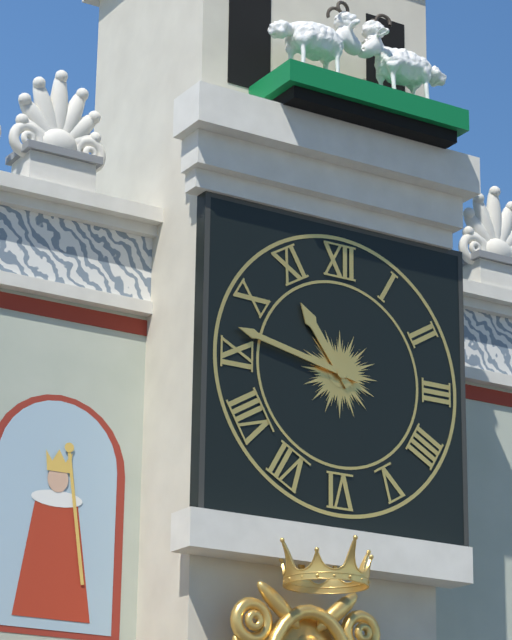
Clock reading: 10.47
